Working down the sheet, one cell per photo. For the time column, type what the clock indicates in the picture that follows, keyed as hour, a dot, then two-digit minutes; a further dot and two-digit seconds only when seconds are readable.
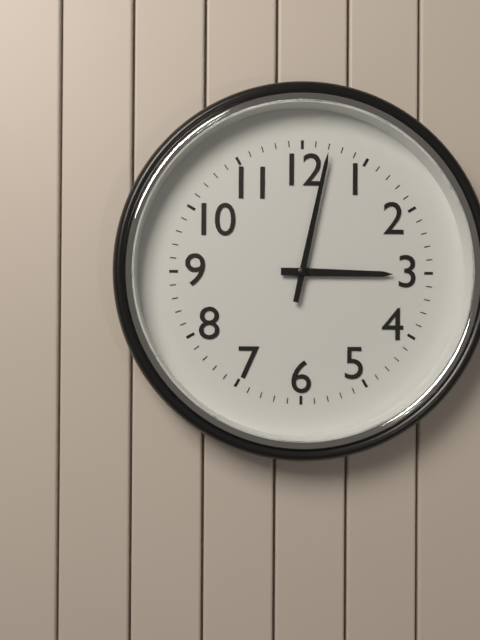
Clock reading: 3.02
